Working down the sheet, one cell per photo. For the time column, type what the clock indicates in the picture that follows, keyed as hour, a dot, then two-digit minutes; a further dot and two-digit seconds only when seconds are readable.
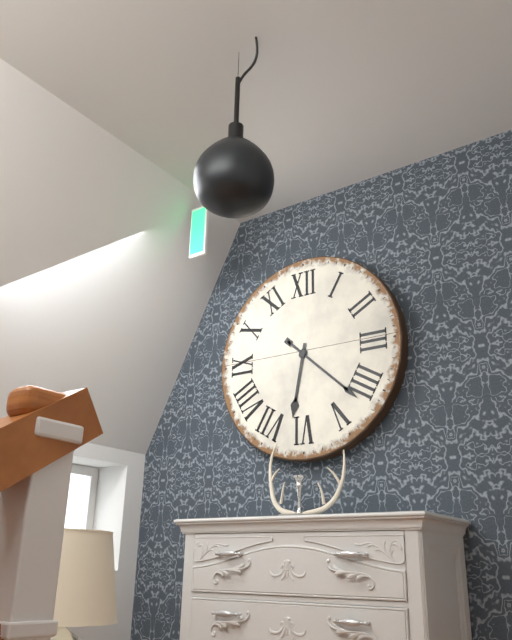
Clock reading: 6.22
